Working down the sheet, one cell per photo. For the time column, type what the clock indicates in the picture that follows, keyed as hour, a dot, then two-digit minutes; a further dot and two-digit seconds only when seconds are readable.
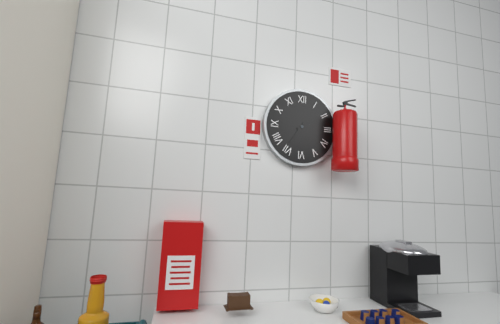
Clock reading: 7.10
